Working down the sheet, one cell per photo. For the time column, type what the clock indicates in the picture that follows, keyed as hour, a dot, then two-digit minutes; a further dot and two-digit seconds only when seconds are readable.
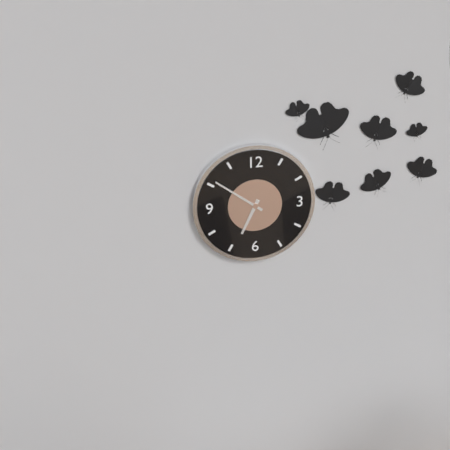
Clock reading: 6.51
